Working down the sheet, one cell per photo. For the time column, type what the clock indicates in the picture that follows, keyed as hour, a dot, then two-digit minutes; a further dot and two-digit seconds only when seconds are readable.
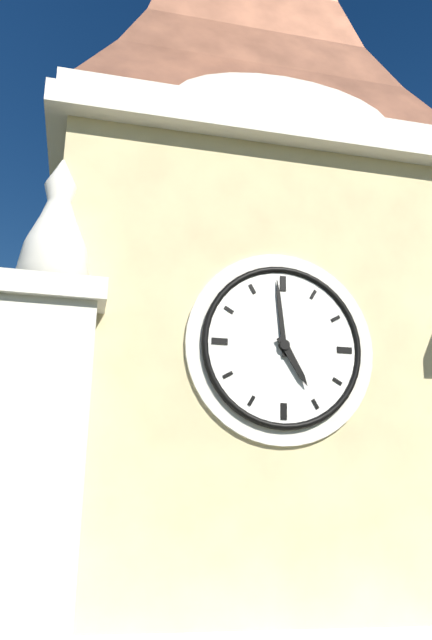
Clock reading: 4.59
